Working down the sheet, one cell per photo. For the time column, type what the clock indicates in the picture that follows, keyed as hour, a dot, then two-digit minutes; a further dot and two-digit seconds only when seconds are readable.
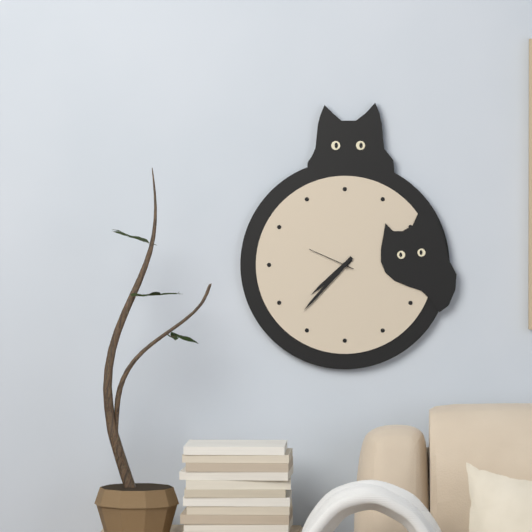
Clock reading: 7.37
